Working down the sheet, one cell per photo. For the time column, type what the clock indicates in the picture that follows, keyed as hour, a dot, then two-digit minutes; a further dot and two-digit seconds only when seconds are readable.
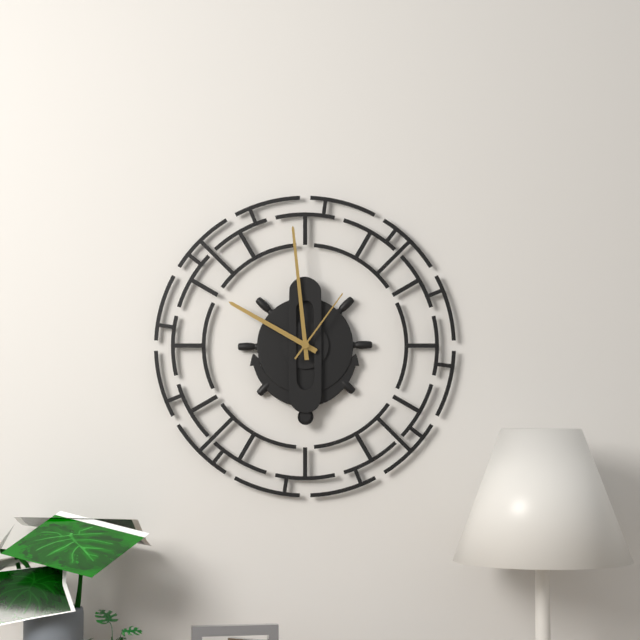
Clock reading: 9.59.06
